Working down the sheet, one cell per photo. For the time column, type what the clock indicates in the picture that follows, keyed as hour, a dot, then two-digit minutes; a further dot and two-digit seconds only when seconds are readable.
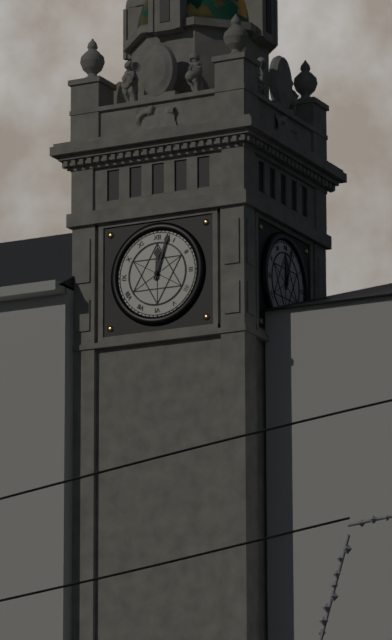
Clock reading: 12.03
